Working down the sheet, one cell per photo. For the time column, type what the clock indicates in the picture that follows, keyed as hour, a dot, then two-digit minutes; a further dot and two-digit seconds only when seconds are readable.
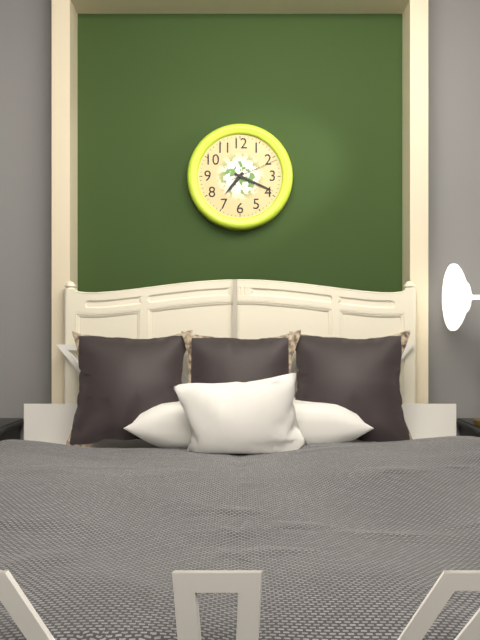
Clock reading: 7.19.11
